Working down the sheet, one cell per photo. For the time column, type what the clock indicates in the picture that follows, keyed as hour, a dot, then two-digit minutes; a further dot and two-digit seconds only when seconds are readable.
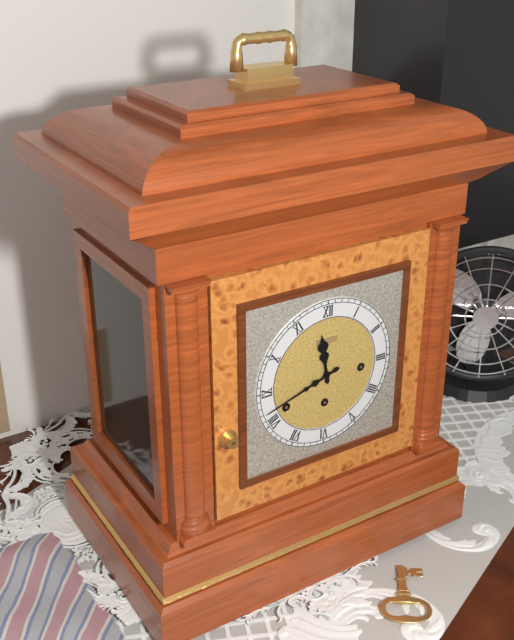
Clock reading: 11.42
